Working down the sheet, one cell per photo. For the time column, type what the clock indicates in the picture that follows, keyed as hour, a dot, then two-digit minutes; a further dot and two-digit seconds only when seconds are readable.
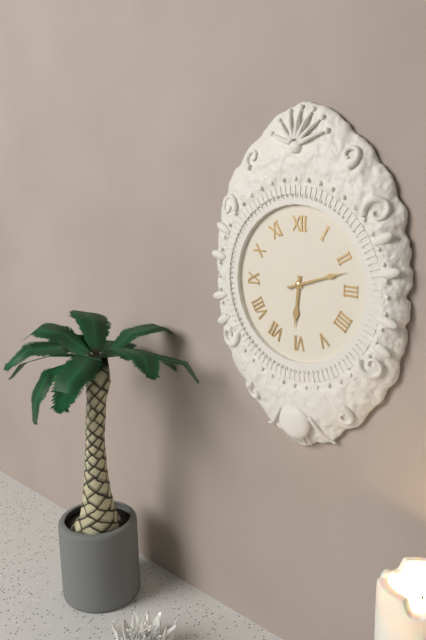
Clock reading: 6.12
